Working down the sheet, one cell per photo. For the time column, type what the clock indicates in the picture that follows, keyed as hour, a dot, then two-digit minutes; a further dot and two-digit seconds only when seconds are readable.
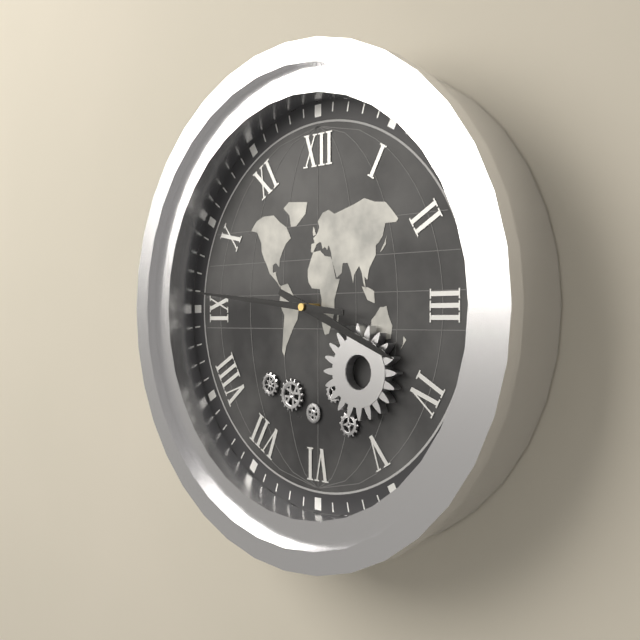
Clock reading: 3.46
